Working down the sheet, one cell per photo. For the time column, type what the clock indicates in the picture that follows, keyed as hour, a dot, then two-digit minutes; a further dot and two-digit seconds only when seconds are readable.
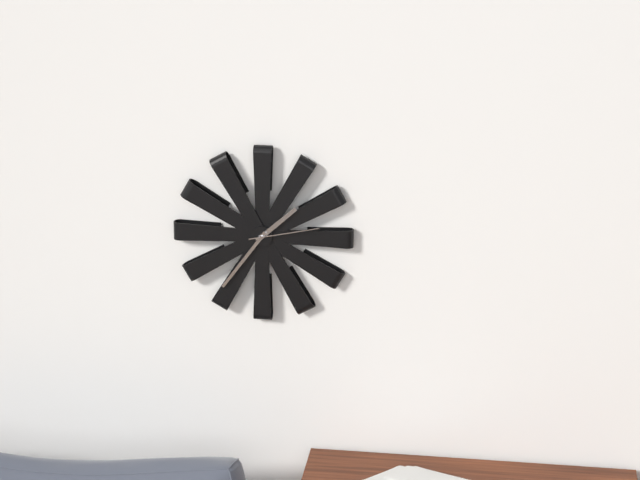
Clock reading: 1.36.13
